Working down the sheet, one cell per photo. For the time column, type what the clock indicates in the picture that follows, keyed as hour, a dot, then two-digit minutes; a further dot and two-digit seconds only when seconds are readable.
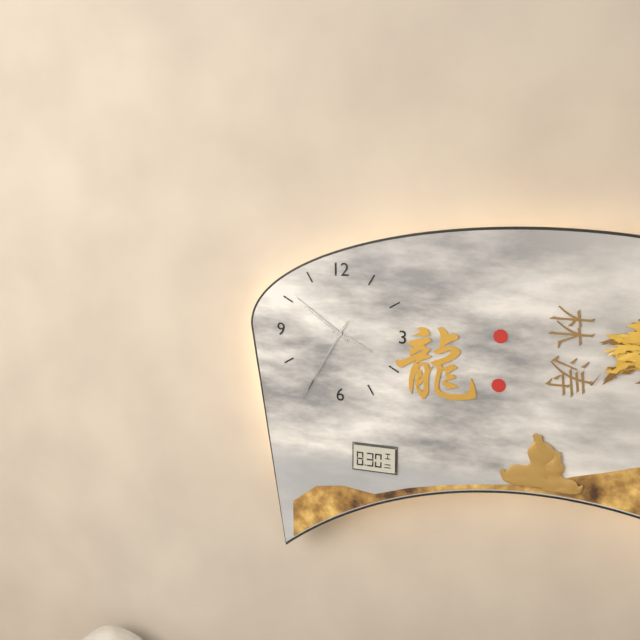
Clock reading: 3.51.35
